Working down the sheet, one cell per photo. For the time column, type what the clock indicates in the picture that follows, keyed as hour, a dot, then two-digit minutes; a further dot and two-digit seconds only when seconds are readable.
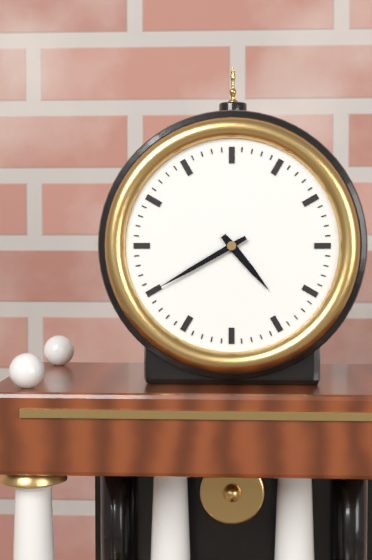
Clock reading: 4.40
